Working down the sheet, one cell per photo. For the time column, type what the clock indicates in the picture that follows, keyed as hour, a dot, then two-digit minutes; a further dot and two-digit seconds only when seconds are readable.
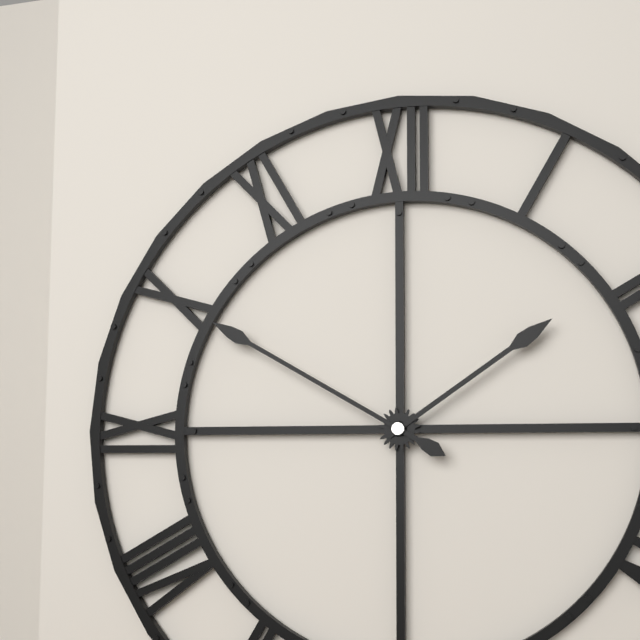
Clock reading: 1.50
